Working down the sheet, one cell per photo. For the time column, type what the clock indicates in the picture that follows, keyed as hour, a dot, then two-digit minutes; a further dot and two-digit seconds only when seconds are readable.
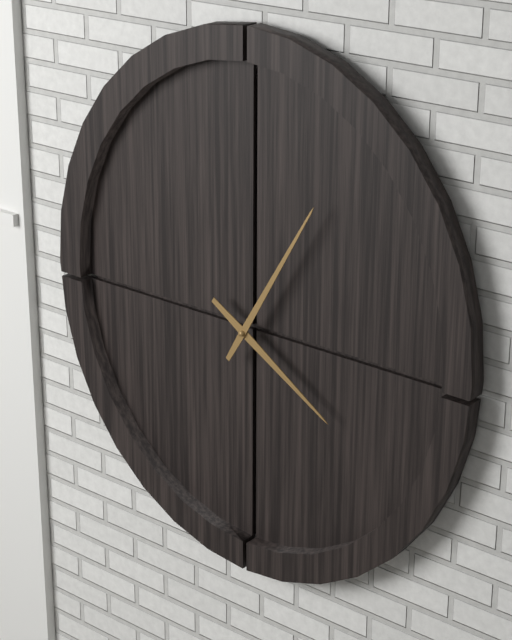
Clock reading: 4.05
